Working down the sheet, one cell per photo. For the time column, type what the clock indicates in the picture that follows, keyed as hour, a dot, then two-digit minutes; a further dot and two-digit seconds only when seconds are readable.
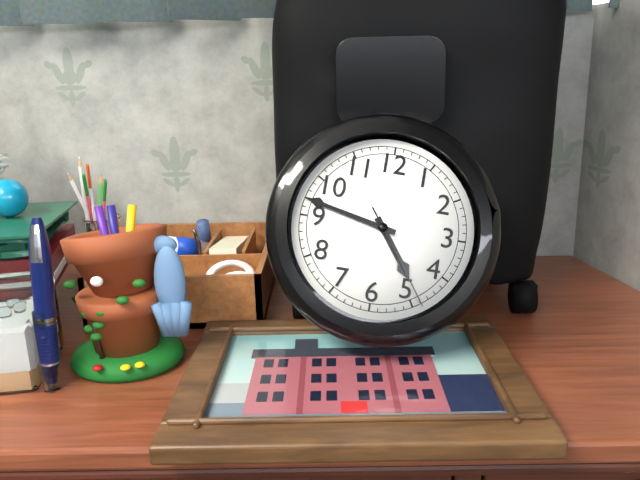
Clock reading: 4.47.24
